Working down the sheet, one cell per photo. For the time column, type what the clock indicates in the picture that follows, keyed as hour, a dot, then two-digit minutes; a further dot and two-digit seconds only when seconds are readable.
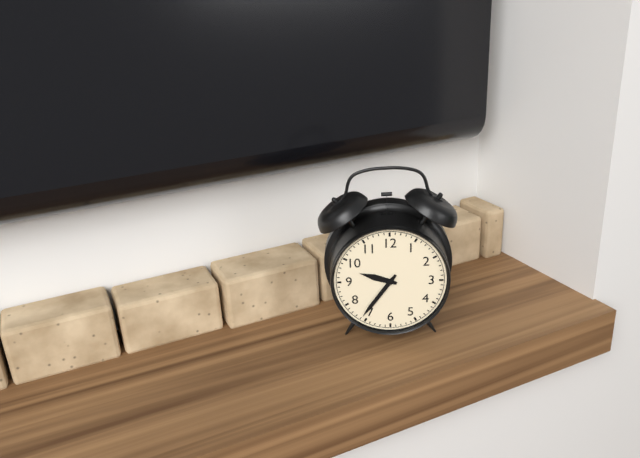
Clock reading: 9.36
